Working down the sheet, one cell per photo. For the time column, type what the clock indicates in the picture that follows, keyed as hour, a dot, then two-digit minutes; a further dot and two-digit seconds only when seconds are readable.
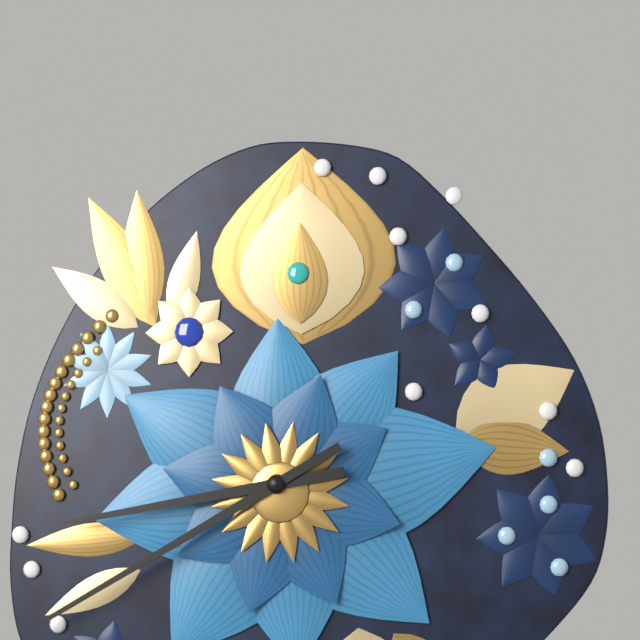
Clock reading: 8.40
